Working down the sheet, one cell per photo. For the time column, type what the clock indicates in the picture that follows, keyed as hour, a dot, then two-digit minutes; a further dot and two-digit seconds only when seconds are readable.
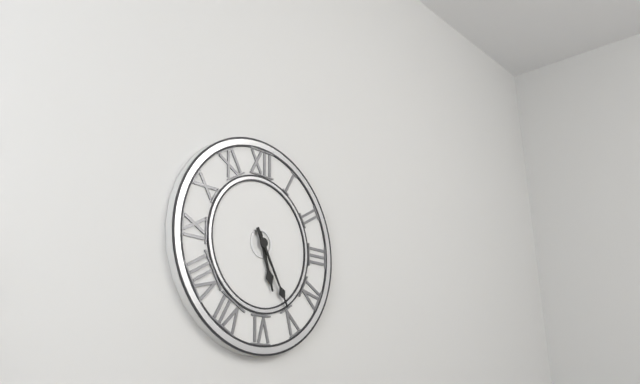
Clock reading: 5.25
